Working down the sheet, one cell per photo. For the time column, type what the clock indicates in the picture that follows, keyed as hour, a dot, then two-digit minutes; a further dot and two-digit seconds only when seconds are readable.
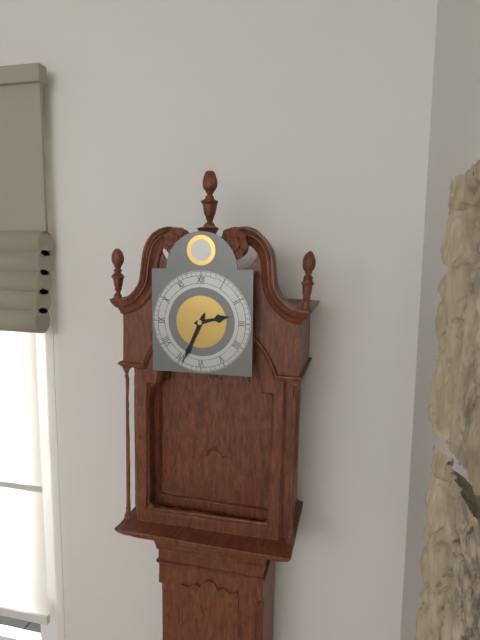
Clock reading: 2.34
